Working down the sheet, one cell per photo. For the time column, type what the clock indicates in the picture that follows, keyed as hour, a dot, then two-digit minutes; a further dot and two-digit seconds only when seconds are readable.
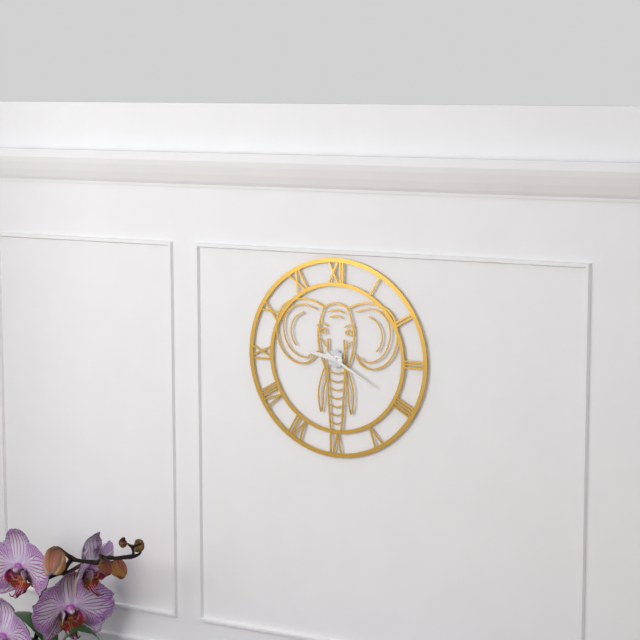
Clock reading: 9.20
